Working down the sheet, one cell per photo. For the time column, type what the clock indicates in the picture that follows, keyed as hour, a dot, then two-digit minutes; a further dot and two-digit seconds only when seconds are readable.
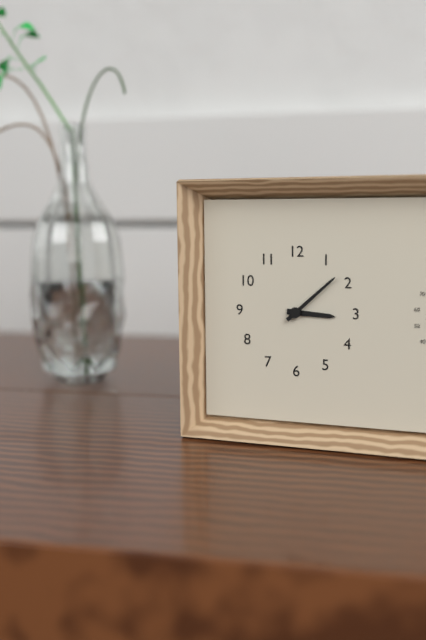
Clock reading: 3.08
